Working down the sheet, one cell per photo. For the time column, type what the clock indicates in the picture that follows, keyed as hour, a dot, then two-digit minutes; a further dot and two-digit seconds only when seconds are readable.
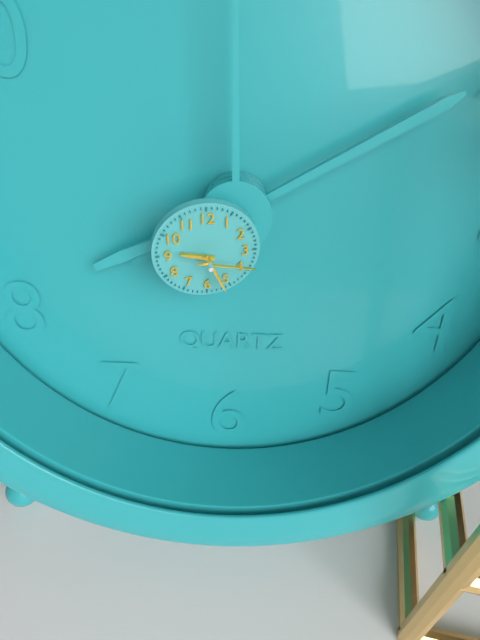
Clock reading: 9.26.17
